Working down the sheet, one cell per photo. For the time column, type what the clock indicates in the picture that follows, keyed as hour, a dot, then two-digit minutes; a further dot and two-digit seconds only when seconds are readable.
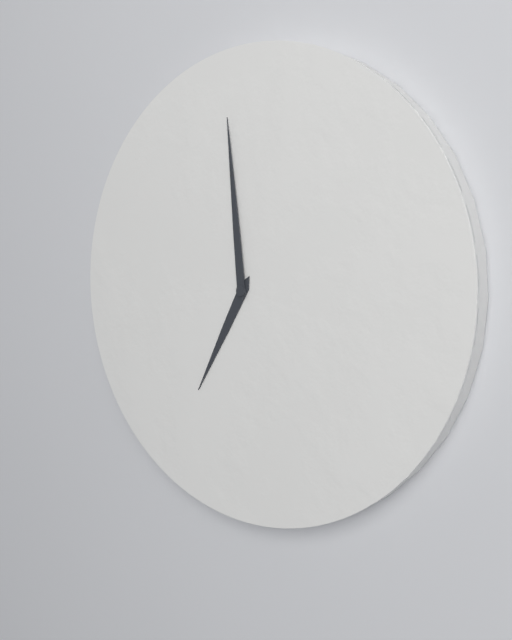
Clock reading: 6.59
